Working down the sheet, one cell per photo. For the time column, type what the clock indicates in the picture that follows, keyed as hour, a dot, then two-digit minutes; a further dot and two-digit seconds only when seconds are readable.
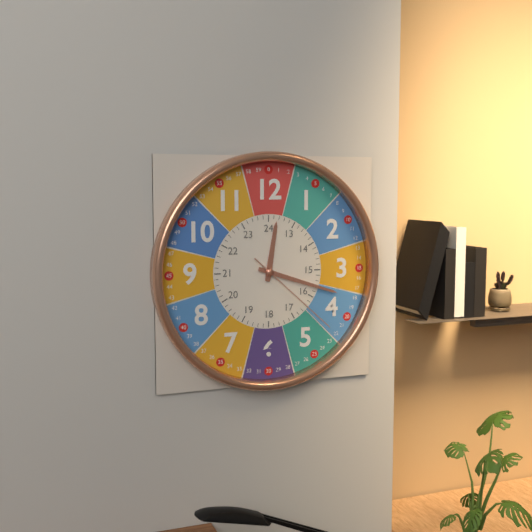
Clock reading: 12.18.22
